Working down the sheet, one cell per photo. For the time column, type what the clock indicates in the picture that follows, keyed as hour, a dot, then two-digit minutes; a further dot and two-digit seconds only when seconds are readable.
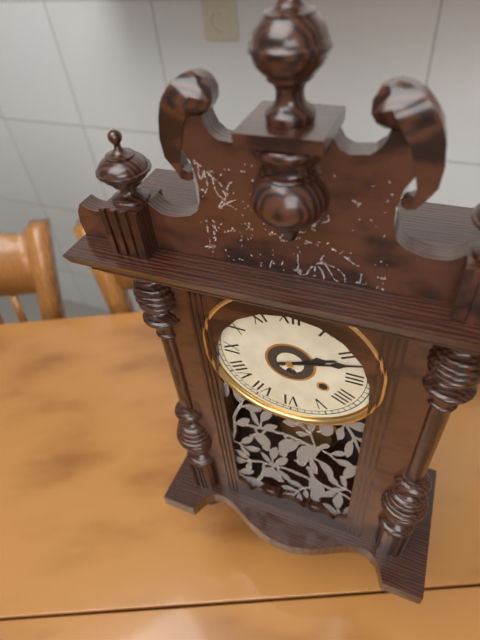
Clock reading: 2.12
